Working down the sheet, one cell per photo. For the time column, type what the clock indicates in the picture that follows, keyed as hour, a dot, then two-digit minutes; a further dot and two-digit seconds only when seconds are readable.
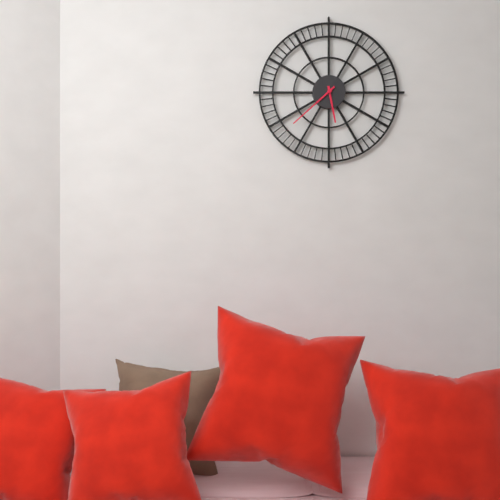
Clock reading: 5.38
